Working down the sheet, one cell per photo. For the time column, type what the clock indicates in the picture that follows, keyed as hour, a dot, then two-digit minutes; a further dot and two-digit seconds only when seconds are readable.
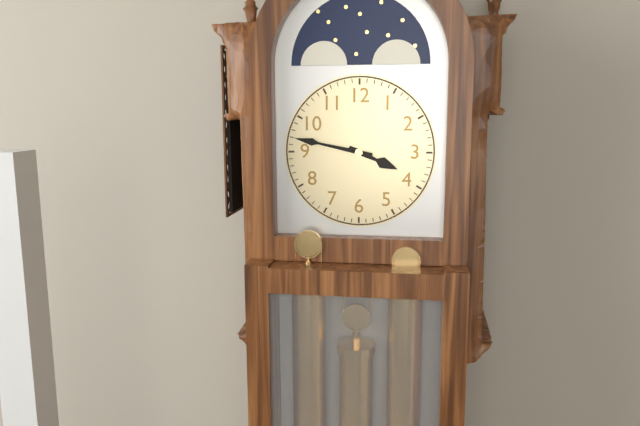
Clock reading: 3.47
